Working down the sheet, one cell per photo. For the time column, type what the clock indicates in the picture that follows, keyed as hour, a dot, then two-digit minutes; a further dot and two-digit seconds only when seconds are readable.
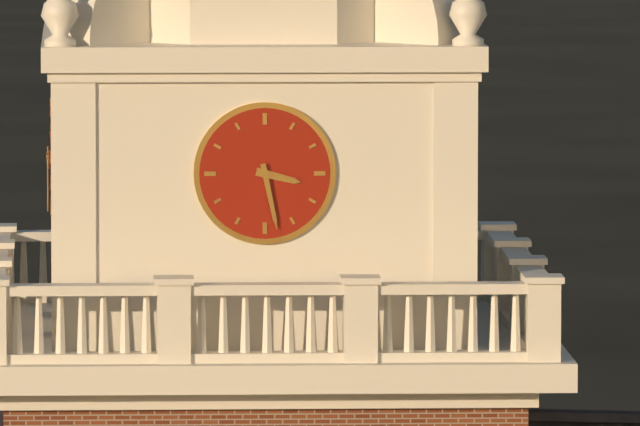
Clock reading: 3.28
